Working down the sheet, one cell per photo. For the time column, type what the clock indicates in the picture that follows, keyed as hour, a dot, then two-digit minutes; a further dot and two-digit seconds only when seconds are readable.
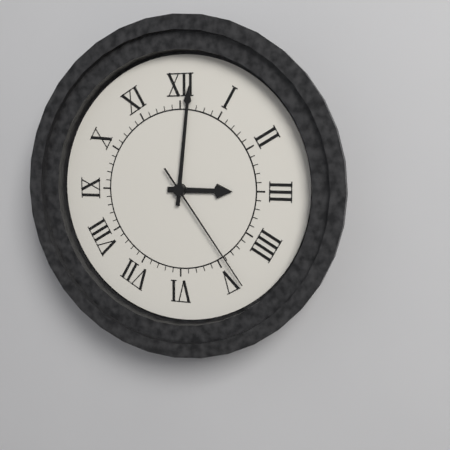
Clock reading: 3.01.24
